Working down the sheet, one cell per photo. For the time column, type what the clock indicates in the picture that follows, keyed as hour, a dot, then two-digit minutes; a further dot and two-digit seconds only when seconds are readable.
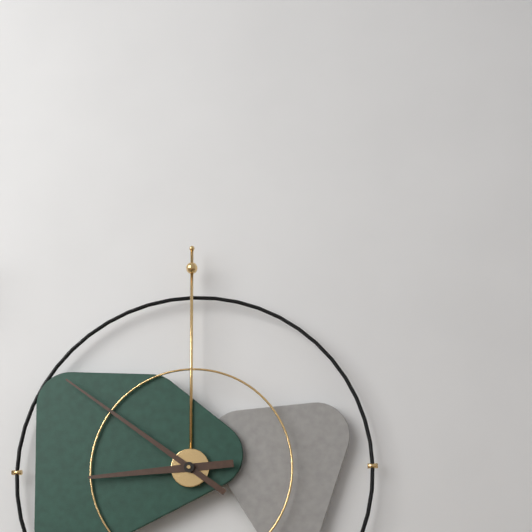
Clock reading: 8.51
